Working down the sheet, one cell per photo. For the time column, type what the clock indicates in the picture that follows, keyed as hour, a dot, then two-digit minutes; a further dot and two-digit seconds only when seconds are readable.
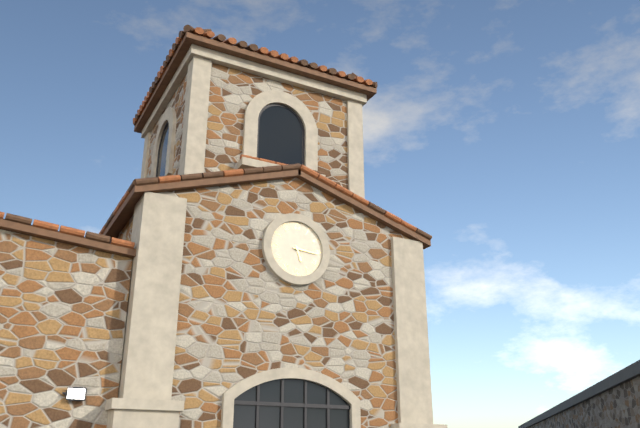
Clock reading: 5.16
